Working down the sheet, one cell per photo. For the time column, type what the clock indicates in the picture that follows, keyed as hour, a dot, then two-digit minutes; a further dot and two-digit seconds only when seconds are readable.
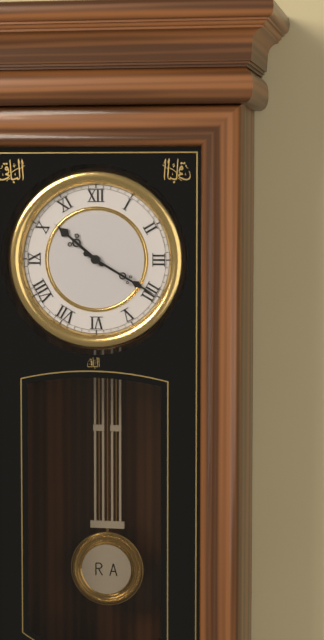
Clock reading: 10.20
